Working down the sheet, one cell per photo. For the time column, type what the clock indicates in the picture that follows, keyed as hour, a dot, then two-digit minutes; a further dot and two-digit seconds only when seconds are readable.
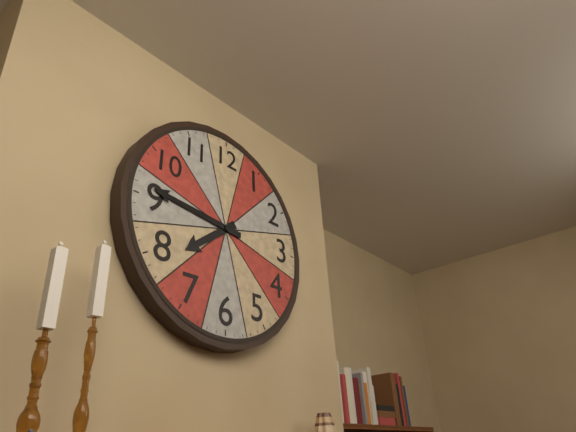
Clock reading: 7.46
